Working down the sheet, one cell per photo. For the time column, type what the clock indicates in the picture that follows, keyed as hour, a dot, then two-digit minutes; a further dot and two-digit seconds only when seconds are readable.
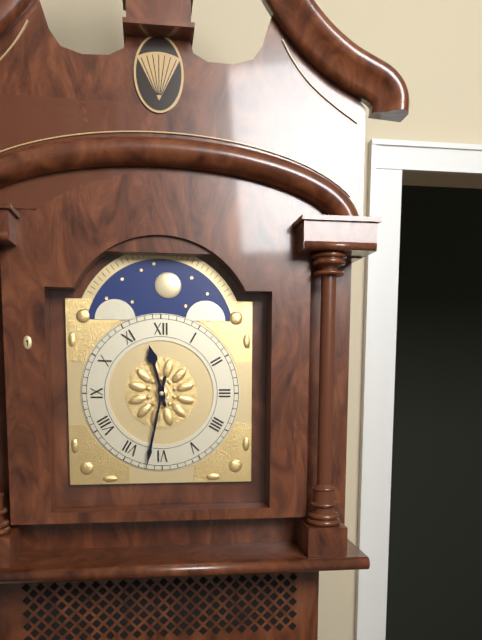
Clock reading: 11.32
